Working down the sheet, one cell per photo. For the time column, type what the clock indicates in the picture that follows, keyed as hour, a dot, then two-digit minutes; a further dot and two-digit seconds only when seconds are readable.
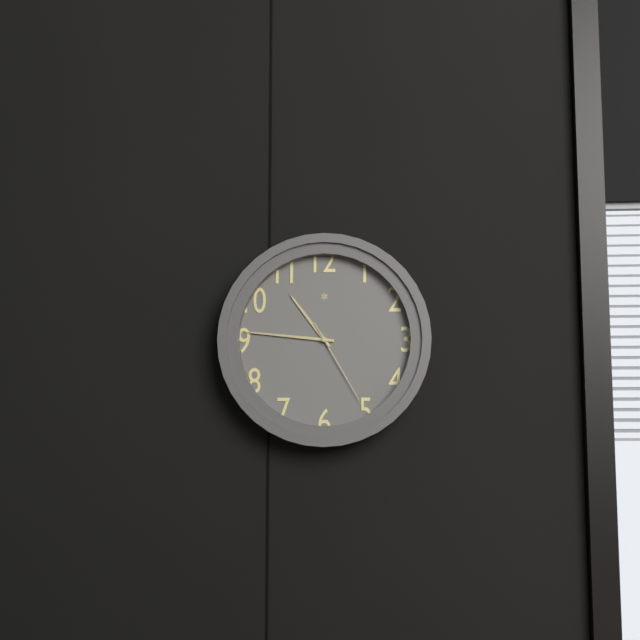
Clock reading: 10.46.25
